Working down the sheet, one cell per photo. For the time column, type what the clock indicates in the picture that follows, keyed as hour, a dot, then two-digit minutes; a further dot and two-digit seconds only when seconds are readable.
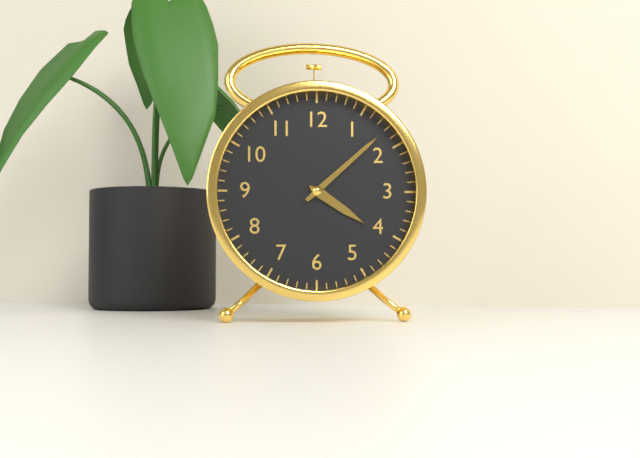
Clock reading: 4.08
